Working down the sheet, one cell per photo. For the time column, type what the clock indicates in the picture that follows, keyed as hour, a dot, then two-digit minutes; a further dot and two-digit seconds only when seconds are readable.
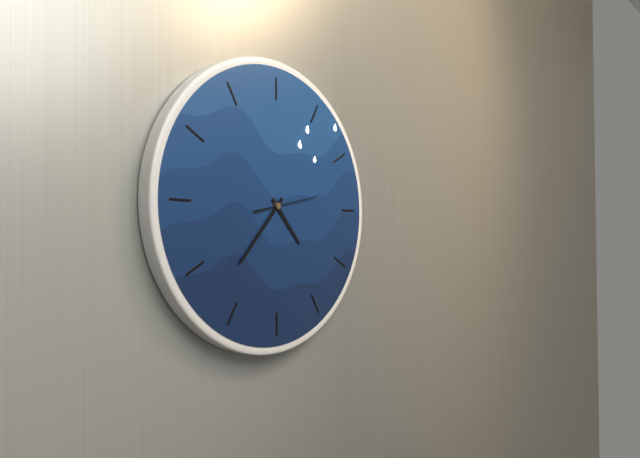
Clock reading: 4.37.13
